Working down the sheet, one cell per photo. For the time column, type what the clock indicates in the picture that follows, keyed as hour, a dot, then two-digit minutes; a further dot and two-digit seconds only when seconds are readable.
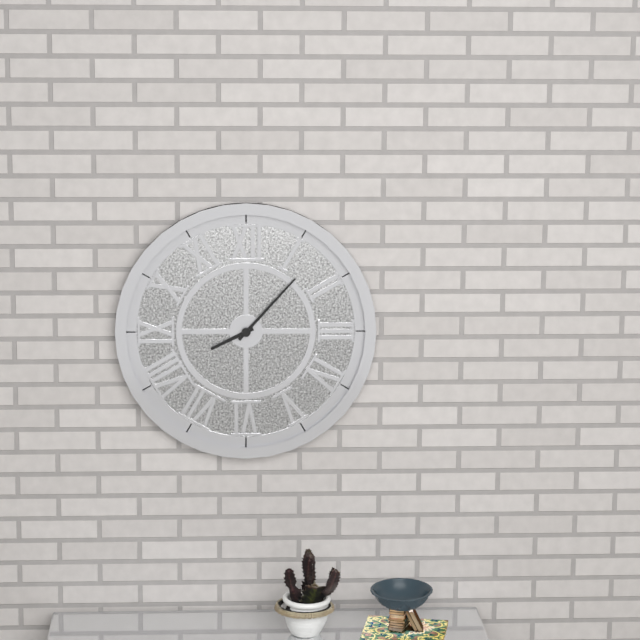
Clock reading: 8.07
